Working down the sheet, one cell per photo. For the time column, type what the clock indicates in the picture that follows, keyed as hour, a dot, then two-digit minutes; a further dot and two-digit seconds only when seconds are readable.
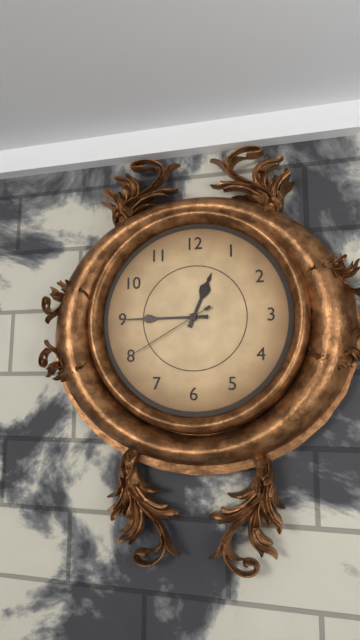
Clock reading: 12.45.40
